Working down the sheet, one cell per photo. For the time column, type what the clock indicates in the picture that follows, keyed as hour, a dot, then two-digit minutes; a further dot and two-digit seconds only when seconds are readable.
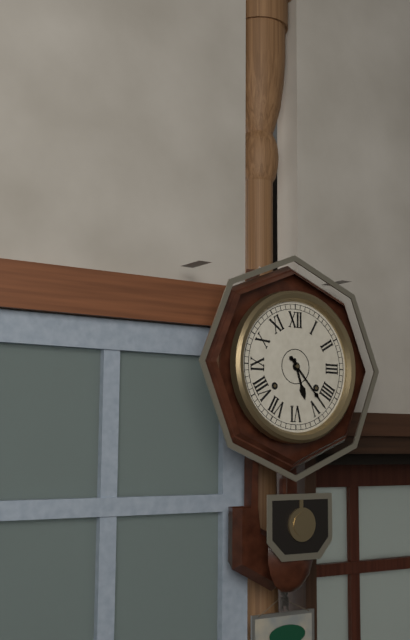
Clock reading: 5.23
